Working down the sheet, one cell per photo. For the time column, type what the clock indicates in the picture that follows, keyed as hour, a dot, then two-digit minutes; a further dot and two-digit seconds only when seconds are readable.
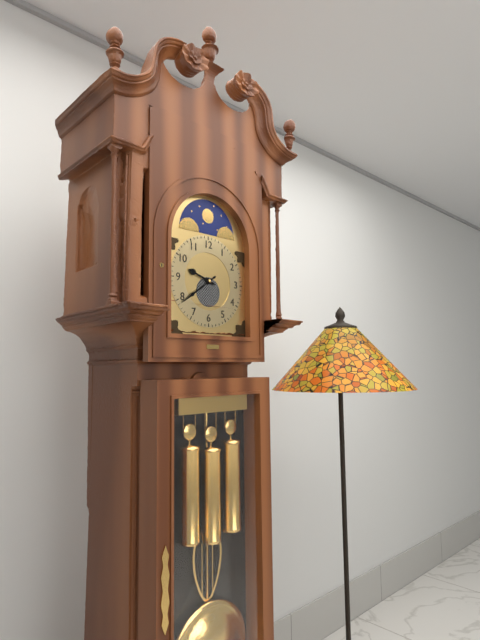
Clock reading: 9.39
